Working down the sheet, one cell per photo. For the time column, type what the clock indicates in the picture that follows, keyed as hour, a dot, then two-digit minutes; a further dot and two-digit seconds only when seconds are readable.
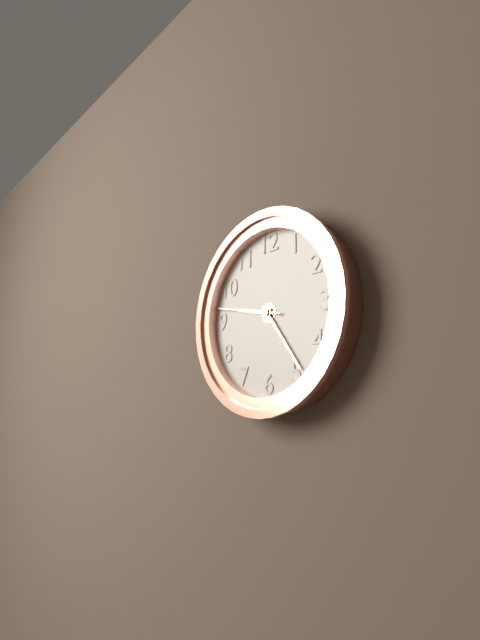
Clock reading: 9.24.47
